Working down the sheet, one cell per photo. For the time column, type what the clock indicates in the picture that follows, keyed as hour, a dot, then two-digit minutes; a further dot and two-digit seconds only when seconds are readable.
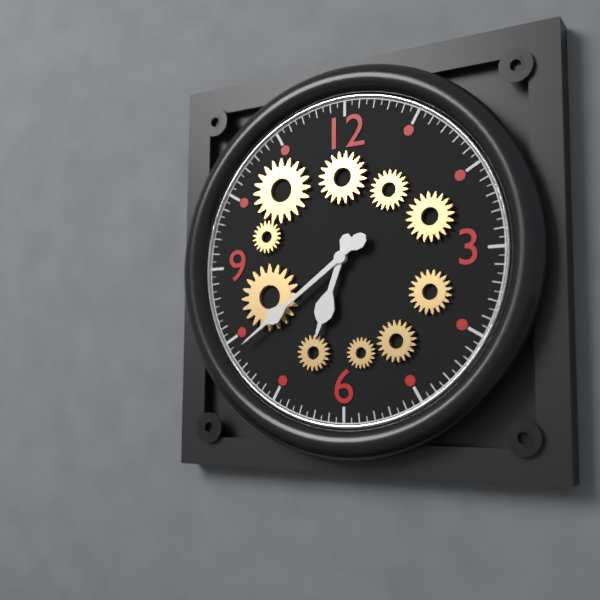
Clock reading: 6.39
